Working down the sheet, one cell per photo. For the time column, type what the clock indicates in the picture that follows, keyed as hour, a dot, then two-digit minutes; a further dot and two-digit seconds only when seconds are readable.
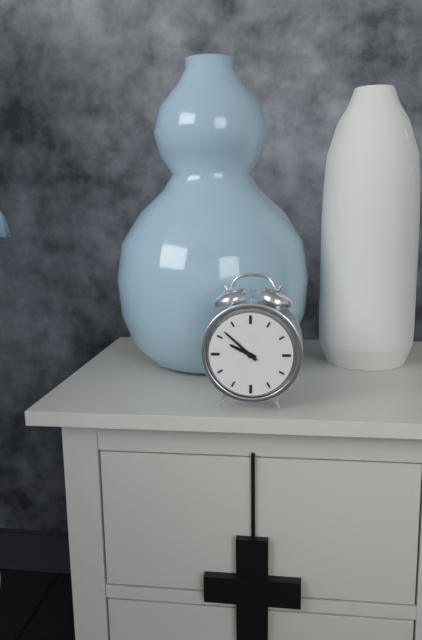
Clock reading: 9.52
